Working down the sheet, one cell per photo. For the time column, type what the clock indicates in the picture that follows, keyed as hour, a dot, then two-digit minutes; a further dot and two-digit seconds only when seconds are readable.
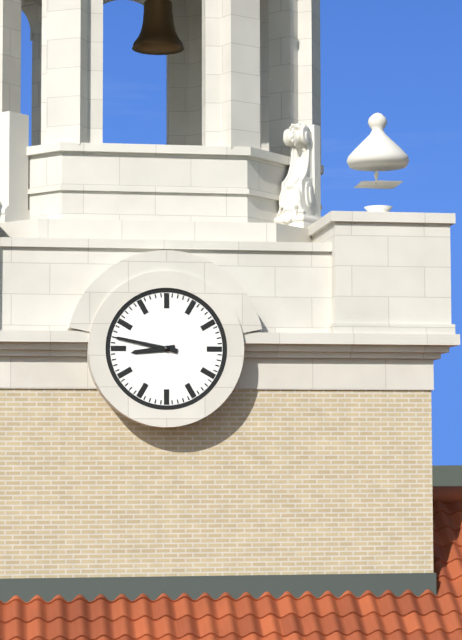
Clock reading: 8.47
